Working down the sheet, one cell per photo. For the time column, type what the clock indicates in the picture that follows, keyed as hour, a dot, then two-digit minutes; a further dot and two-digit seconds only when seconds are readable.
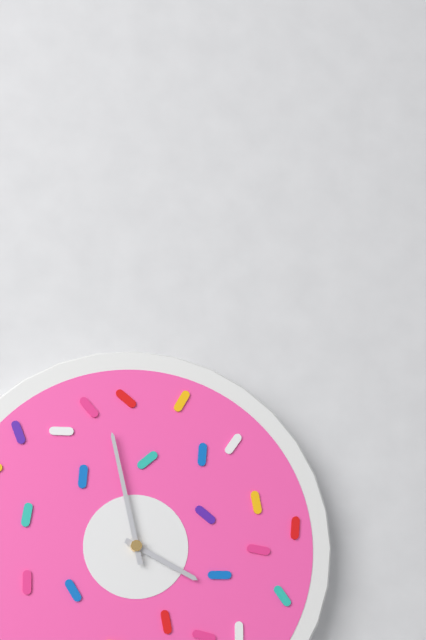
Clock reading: 3.58
